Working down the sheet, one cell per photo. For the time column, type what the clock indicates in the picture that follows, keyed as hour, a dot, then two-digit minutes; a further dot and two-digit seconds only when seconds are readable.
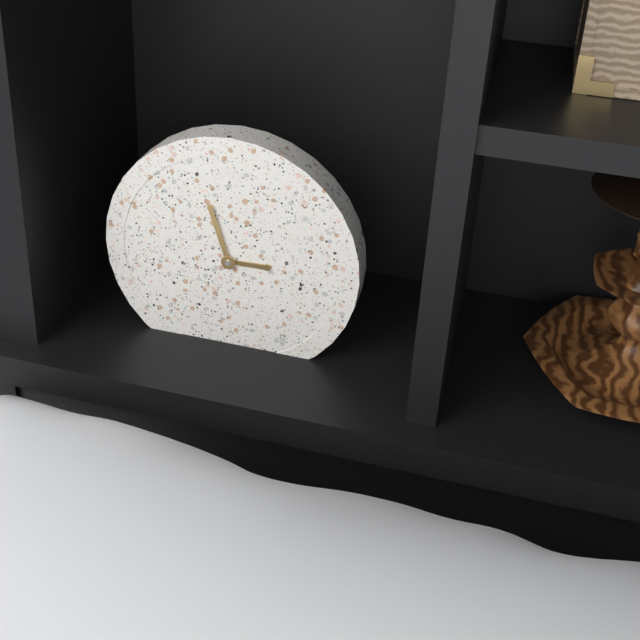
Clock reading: 2.57
